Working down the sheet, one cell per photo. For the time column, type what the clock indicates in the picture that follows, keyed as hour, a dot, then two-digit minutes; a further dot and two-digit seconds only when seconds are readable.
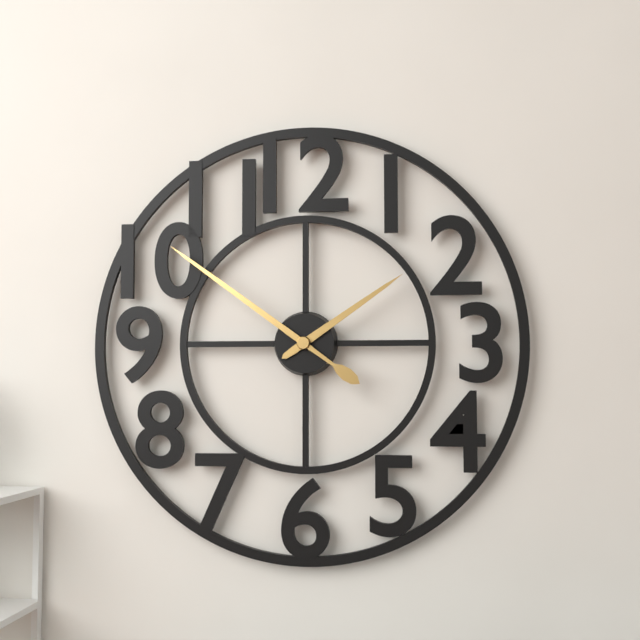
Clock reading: 1.51
